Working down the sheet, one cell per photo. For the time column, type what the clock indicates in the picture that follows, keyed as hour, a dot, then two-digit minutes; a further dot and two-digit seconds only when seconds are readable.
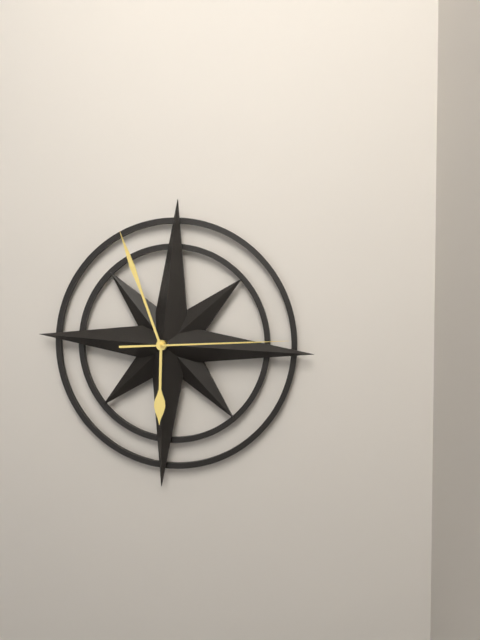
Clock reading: 5.56.14
